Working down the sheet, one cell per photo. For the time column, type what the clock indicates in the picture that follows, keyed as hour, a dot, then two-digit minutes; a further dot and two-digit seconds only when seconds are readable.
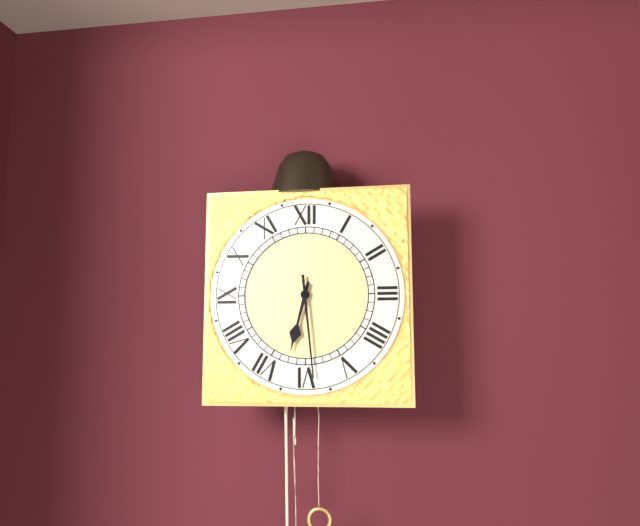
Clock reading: 6.29
